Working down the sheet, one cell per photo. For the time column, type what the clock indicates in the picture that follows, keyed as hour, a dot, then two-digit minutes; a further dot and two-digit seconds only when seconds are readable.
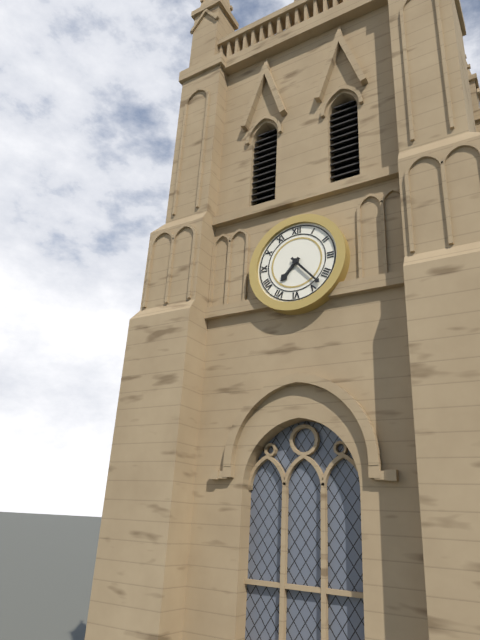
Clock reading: 7.23
